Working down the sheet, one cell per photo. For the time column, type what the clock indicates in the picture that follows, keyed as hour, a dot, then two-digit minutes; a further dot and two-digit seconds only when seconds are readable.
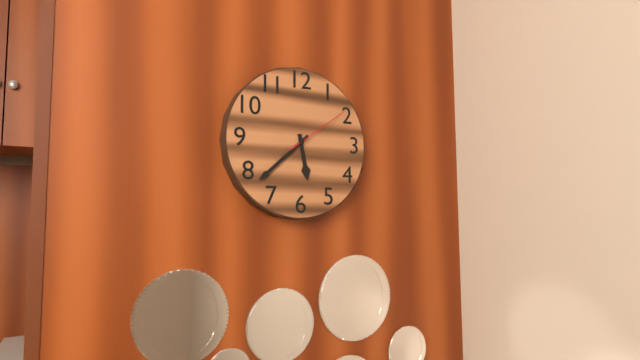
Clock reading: 5.38.09
